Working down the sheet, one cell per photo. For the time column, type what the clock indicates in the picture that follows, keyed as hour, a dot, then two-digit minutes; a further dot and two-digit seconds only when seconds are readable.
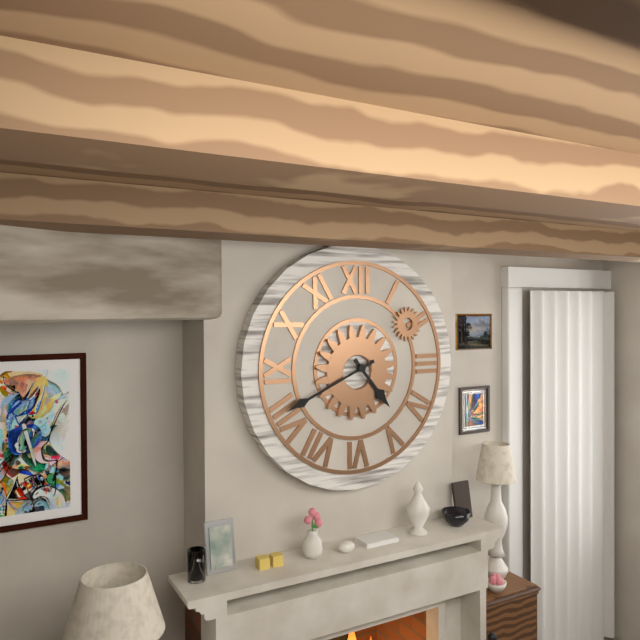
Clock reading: 4.41
